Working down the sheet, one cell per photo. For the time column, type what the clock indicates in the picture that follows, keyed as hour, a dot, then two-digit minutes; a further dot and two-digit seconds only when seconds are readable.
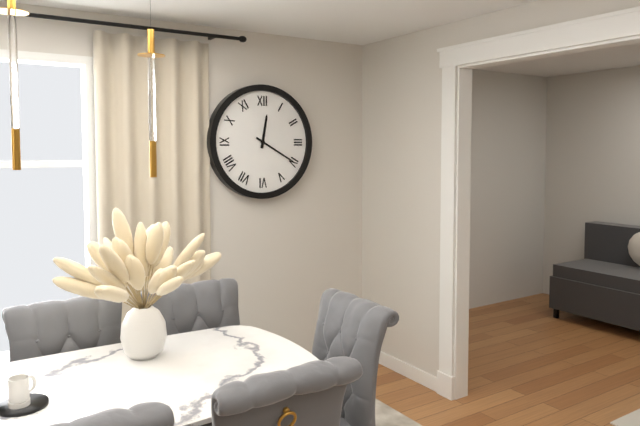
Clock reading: 12.20
